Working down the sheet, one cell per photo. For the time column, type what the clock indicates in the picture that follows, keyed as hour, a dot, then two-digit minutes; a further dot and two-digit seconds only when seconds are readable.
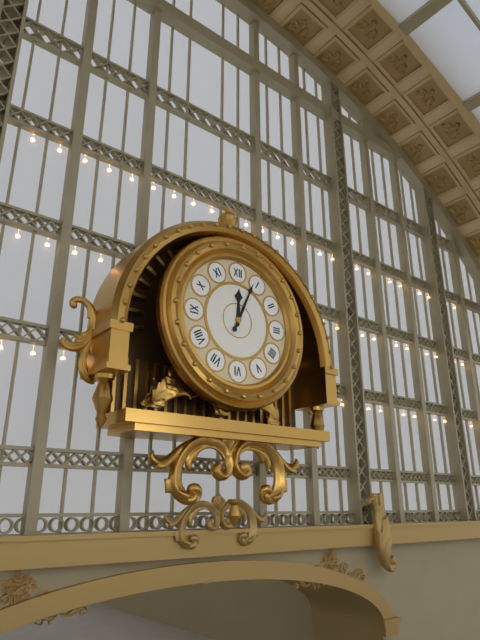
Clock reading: 12.04
